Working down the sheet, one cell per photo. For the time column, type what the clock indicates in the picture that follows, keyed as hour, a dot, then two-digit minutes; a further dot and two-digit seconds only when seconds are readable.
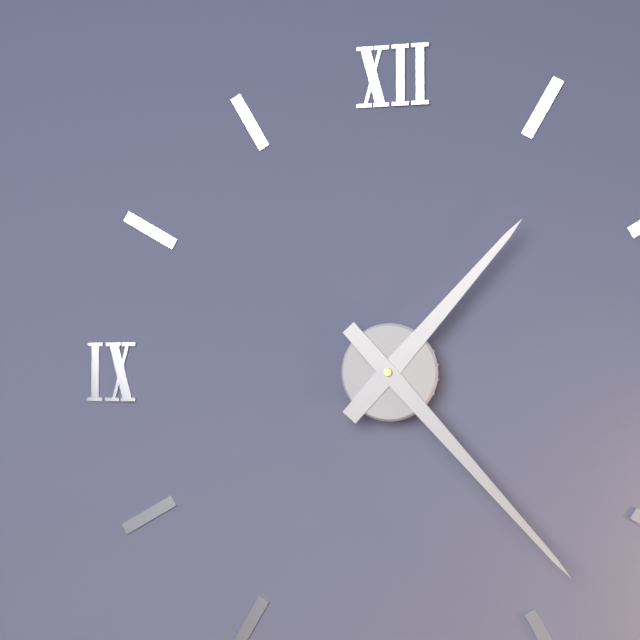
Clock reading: 1.23
